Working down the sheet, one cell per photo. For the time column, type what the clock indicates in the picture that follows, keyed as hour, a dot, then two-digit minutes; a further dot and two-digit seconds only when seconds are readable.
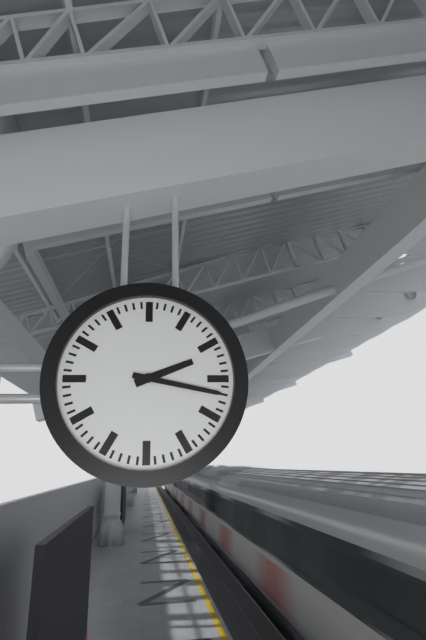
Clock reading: 2.17
